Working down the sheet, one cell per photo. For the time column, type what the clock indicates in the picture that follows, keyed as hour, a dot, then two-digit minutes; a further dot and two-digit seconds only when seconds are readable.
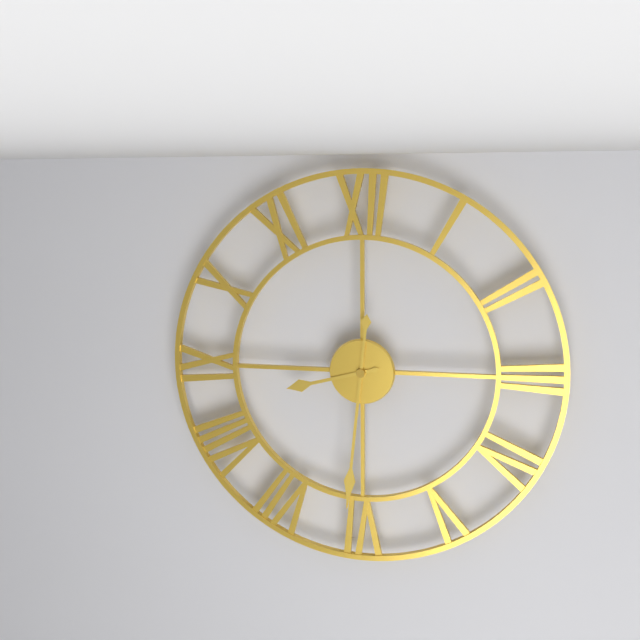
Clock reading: 8.31
